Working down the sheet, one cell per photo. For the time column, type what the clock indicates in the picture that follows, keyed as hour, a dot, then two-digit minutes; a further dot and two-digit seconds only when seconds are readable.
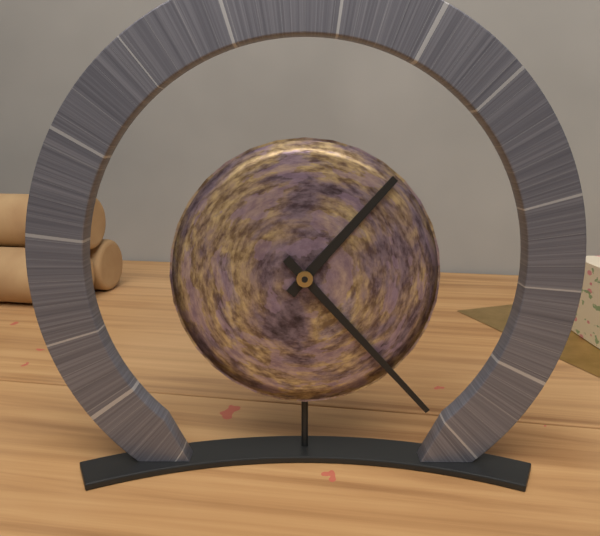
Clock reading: 1.23
